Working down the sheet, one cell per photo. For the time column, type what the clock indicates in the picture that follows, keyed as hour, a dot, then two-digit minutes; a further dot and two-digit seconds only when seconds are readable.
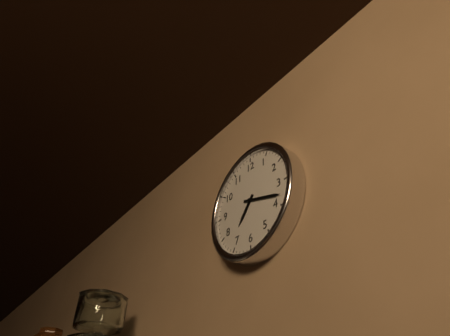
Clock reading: 7.18
